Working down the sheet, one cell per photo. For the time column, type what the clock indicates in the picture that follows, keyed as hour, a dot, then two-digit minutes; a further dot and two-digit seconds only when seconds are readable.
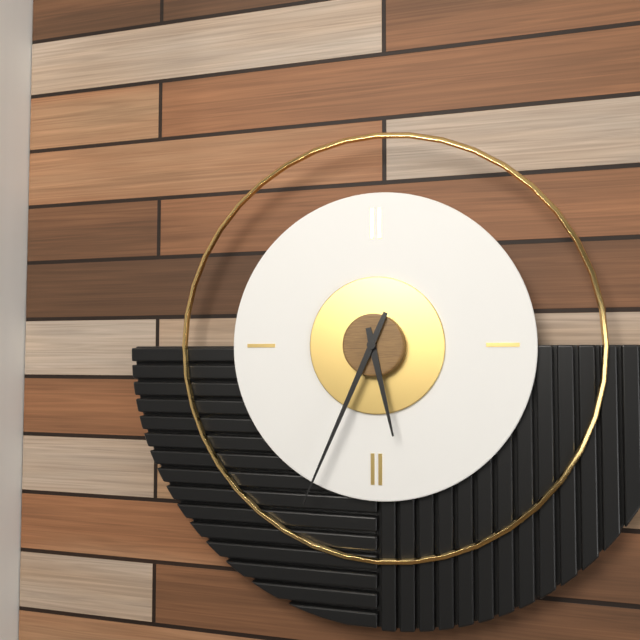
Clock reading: 5.34
